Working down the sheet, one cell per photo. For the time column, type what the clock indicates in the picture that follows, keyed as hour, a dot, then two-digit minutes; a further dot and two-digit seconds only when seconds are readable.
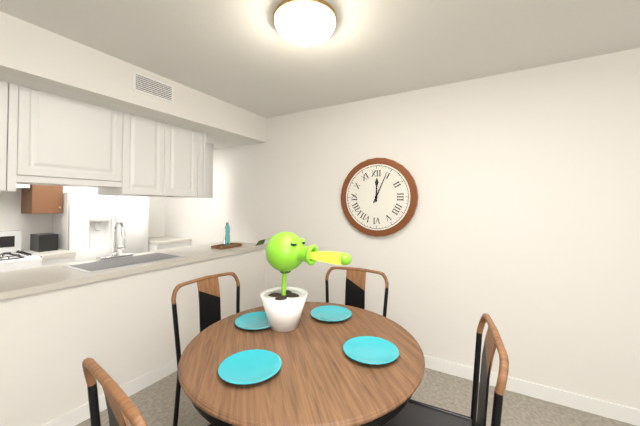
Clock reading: 12.04
